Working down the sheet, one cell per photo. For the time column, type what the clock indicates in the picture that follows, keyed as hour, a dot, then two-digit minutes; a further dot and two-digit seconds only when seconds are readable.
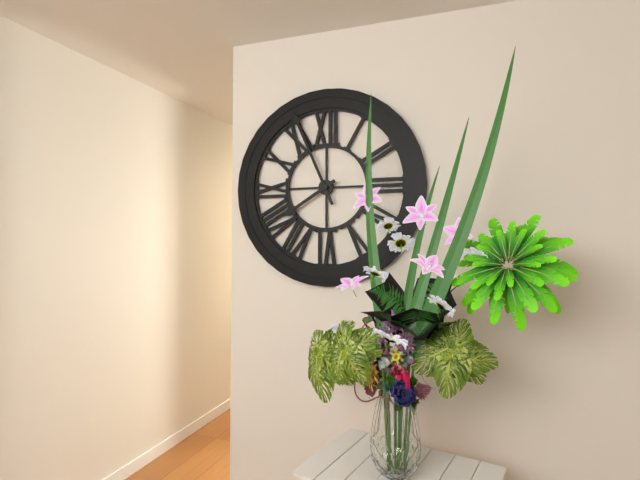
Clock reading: 7.56
